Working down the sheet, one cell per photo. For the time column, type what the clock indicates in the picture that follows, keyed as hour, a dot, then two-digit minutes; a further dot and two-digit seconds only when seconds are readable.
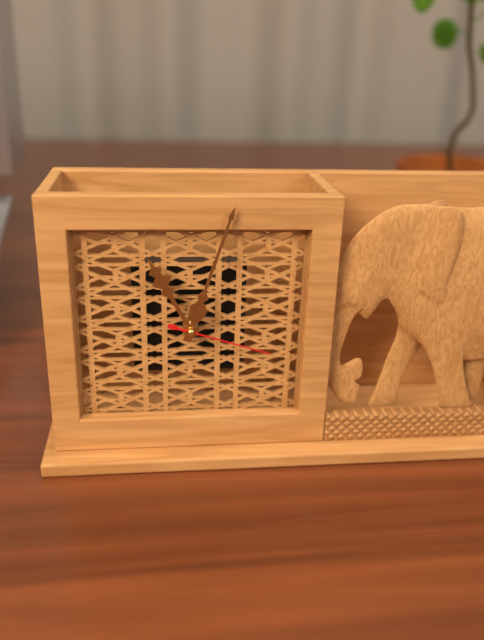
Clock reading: 11.03.18
